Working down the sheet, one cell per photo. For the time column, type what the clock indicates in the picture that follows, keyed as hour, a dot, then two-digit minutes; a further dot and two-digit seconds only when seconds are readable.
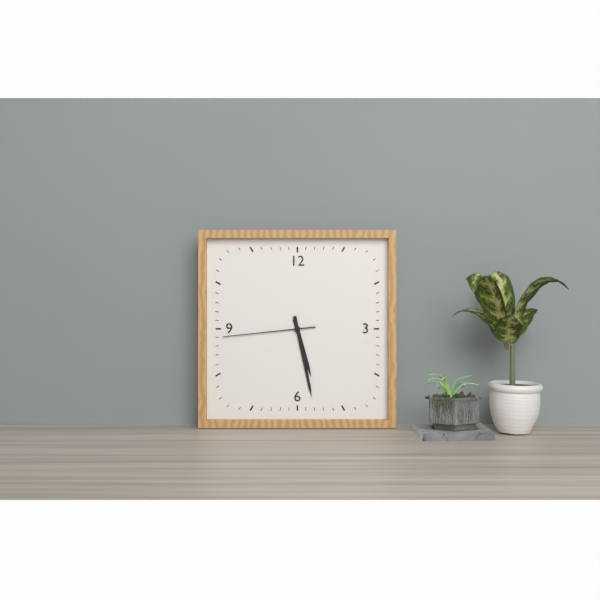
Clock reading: 5.28.44
